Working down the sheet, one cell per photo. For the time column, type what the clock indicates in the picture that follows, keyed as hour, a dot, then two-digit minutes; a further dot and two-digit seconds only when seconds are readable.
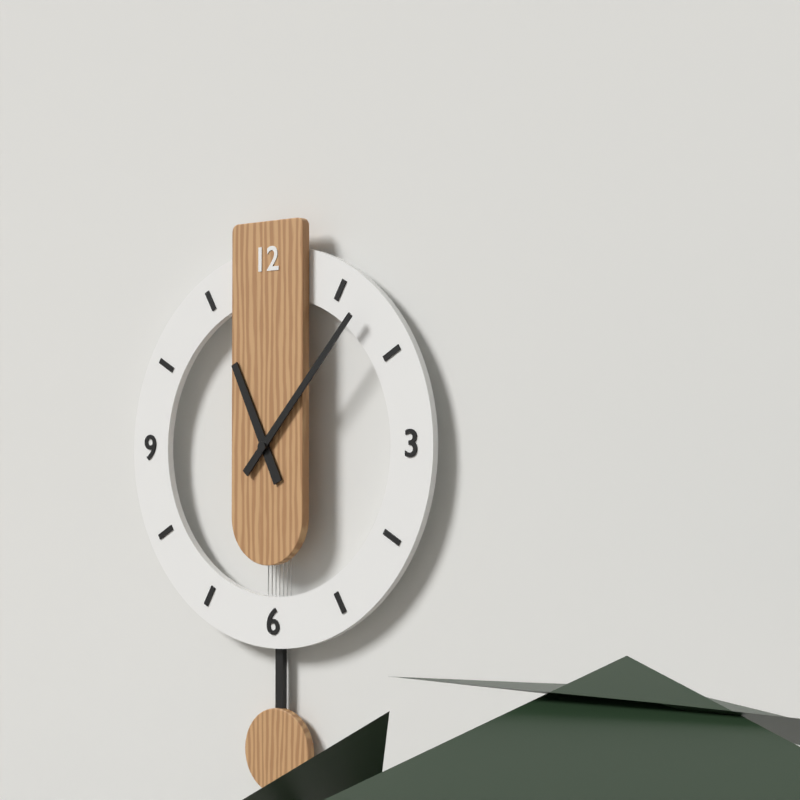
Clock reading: 11.07
